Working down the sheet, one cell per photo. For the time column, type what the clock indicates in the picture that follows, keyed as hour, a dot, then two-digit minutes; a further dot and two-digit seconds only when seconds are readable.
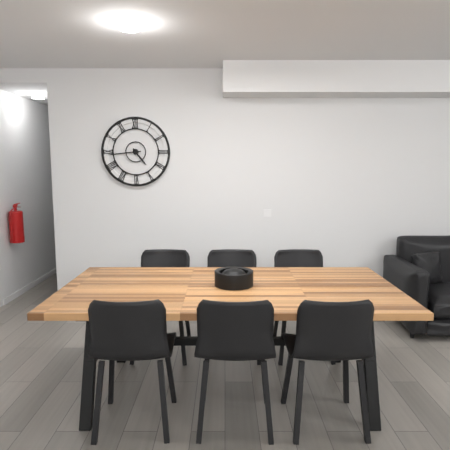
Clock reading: 4.44
